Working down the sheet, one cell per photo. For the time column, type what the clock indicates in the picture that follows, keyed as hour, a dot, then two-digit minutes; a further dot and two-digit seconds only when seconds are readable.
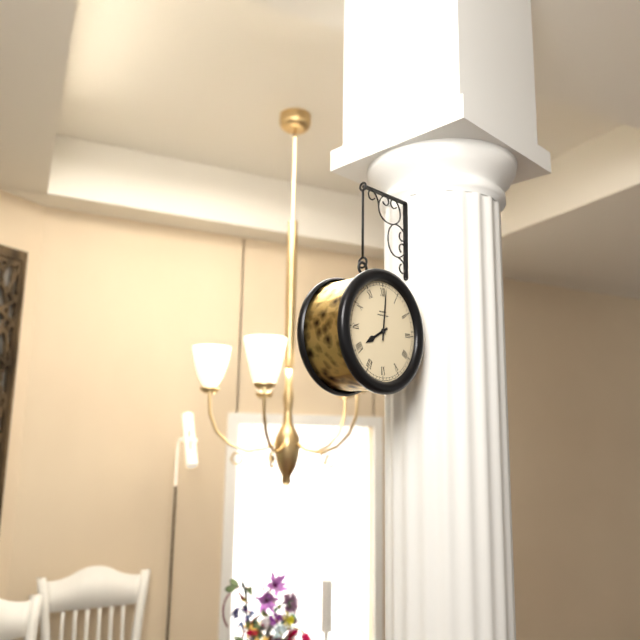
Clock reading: 8.01
